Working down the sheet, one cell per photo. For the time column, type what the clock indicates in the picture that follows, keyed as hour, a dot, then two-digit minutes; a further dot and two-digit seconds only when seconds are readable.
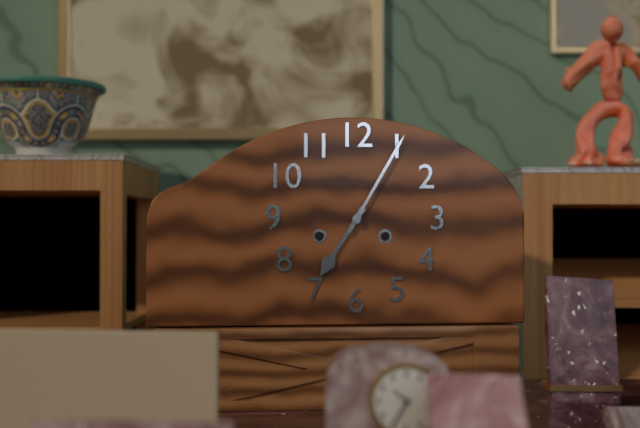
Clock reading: 7.05
